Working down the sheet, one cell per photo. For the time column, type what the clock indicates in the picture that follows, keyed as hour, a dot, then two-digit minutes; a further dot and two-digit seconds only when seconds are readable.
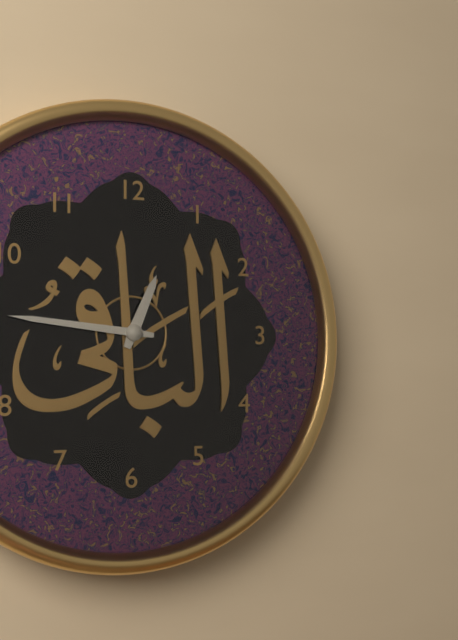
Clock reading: 12.46
